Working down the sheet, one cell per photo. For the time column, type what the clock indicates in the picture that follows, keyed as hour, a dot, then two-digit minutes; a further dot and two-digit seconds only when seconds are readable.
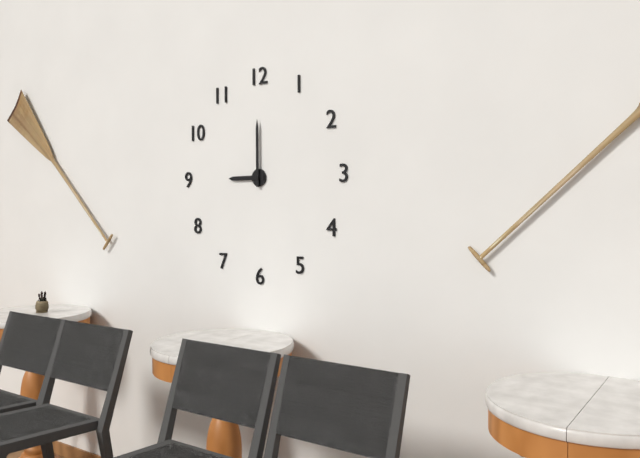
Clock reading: 9.00
